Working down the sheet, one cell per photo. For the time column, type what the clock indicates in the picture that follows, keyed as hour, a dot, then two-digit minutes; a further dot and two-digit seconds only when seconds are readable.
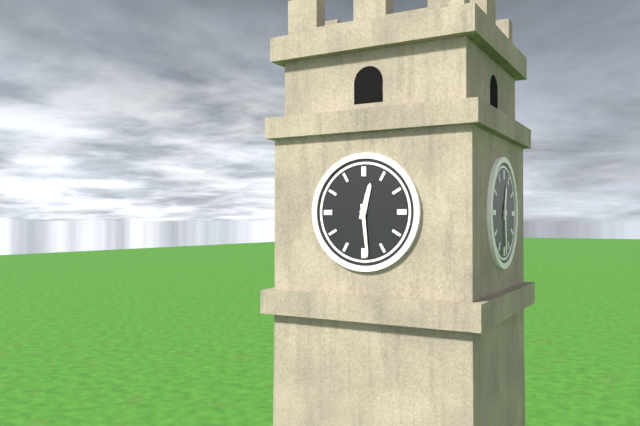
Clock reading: 12.29
